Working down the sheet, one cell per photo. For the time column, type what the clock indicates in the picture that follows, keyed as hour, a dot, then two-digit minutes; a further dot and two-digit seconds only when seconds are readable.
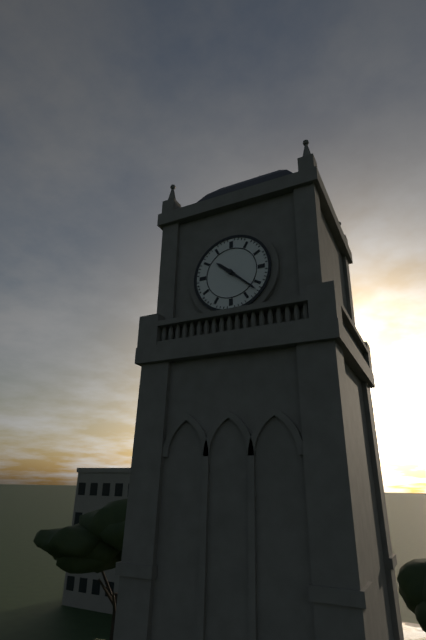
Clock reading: 10.22
